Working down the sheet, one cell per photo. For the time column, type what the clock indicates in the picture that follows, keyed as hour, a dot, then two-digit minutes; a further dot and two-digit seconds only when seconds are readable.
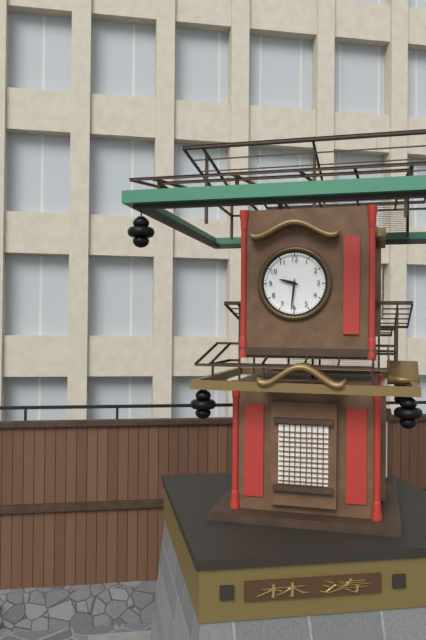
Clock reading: 9.31
